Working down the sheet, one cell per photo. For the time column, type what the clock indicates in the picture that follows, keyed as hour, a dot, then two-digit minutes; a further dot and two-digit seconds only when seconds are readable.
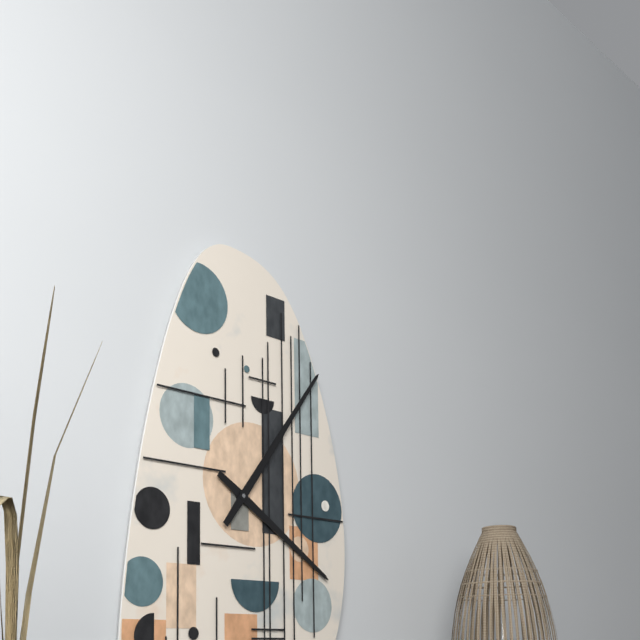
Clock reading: 4.06
